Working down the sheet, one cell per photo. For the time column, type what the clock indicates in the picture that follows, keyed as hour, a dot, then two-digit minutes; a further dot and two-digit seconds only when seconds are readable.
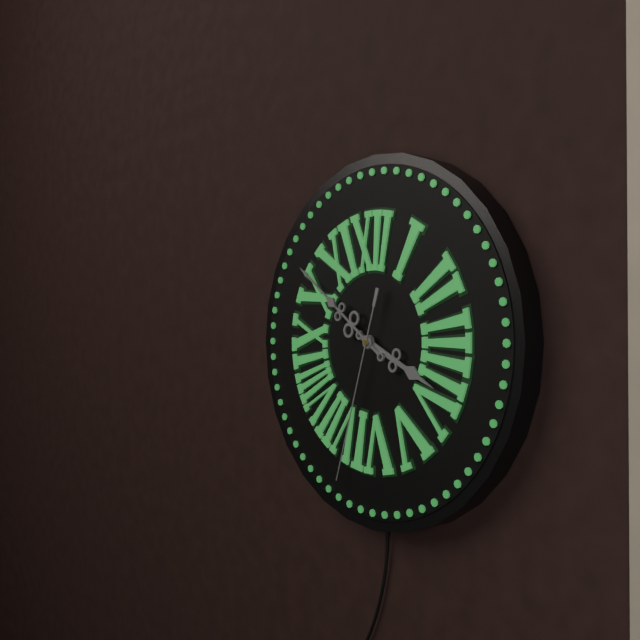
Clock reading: 3.51.33
